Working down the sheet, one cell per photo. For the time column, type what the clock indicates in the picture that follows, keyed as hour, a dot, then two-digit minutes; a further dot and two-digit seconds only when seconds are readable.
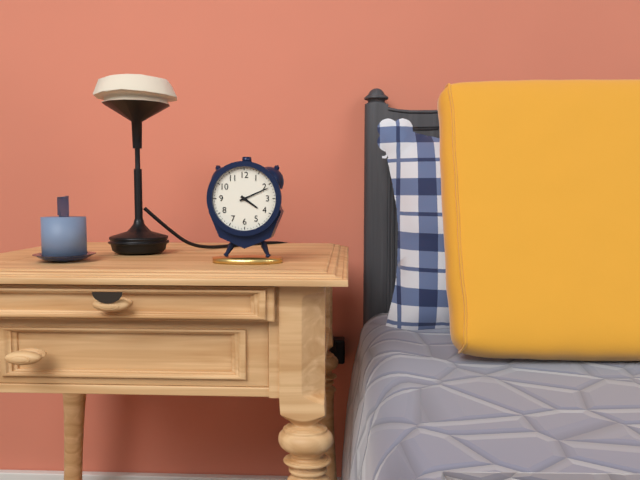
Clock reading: 4.11
